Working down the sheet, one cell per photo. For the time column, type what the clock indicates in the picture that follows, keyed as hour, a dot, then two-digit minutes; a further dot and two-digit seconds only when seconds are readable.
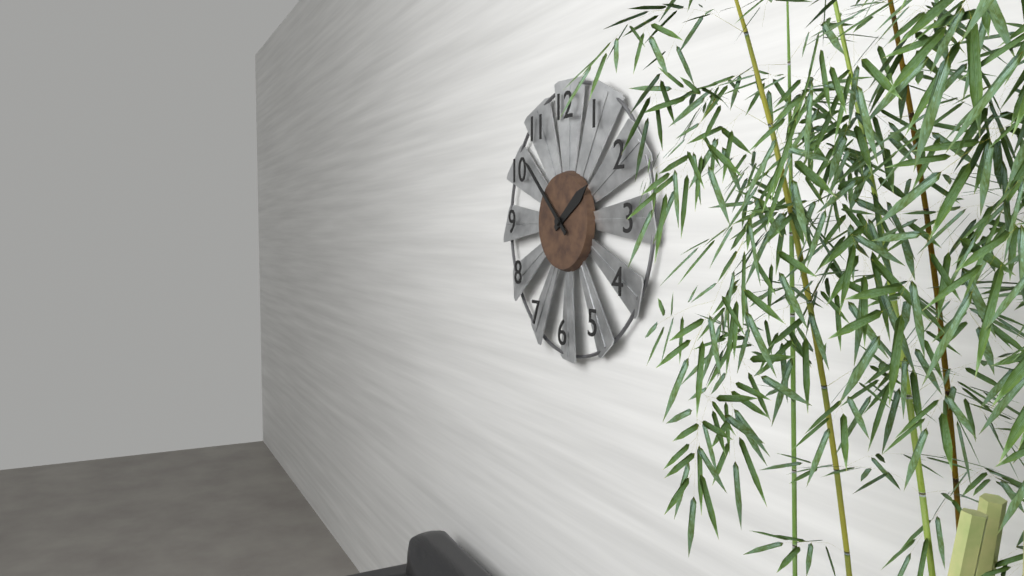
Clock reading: 1.52
